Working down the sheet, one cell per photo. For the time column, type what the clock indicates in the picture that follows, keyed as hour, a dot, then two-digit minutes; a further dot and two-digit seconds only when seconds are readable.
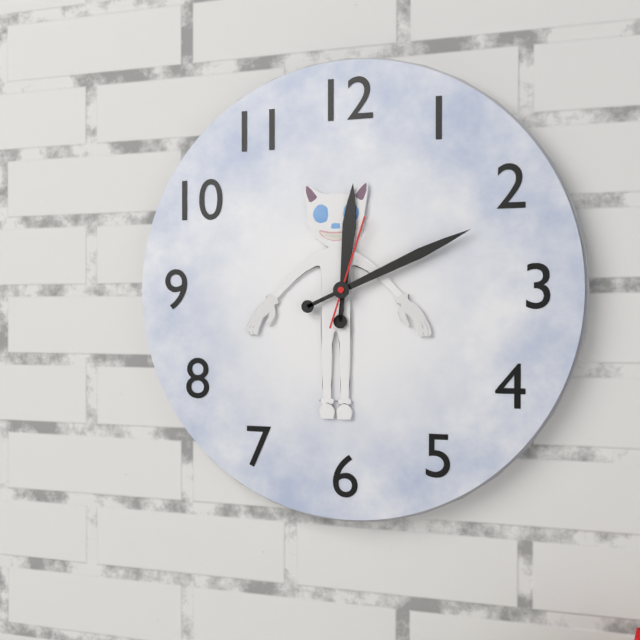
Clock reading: 12.11.03
